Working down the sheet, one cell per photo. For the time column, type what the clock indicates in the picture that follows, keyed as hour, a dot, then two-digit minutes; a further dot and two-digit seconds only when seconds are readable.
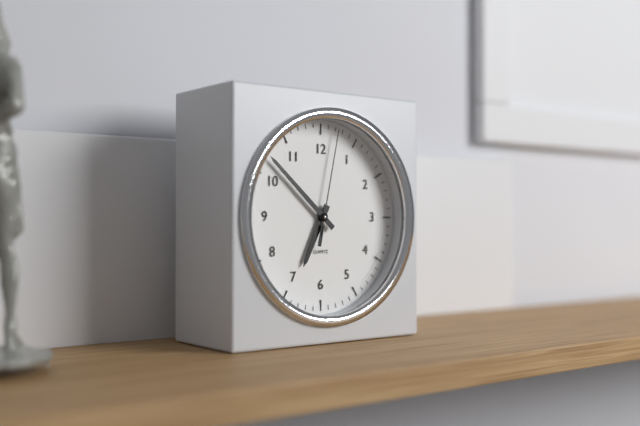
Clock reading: 6.52.02
